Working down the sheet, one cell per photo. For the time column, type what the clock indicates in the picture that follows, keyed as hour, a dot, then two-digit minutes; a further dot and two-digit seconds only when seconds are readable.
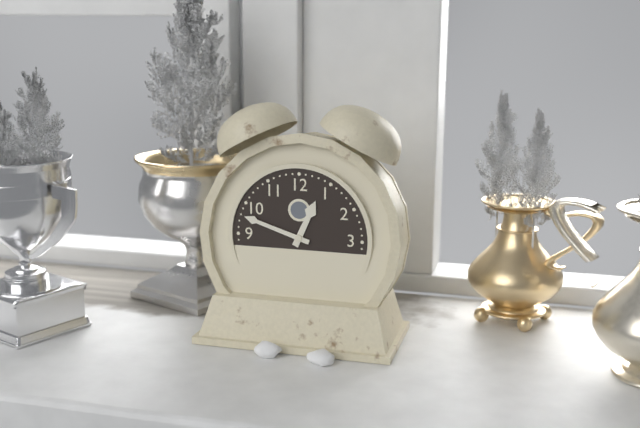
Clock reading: 12.48
